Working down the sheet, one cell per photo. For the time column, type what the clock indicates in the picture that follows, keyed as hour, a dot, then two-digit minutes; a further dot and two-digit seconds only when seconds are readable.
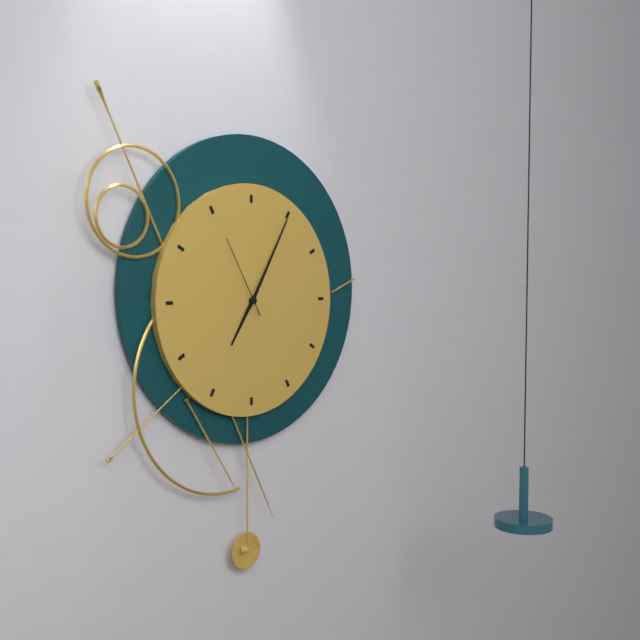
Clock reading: 7.05.55
